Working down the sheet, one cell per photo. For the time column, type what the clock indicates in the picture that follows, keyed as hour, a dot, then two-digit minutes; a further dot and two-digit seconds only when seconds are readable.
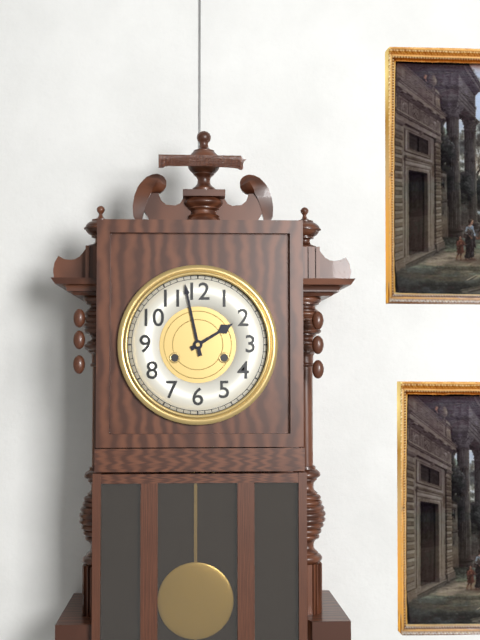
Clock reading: 1.58
